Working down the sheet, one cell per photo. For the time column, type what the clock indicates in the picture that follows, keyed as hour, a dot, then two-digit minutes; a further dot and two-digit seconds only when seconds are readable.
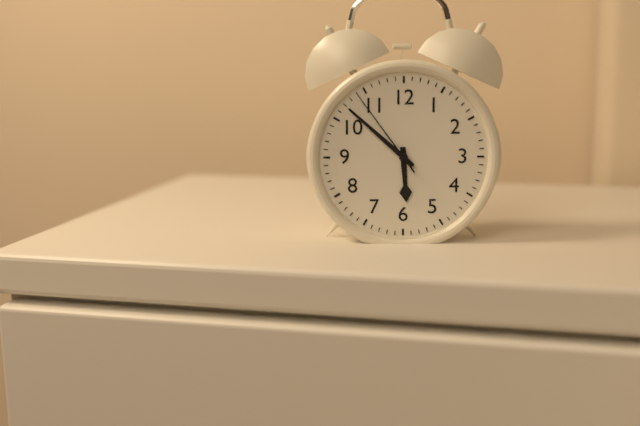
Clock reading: 5.52.54
